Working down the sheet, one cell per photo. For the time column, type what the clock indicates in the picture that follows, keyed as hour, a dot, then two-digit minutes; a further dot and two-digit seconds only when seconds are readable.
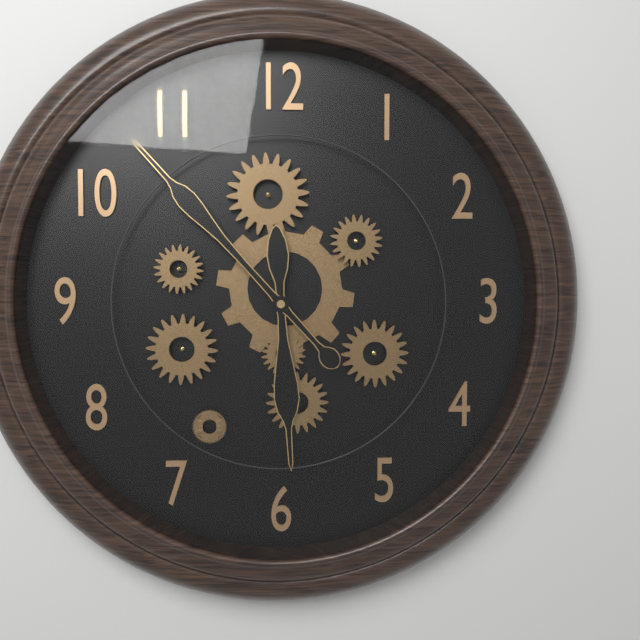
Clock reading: 5.53
